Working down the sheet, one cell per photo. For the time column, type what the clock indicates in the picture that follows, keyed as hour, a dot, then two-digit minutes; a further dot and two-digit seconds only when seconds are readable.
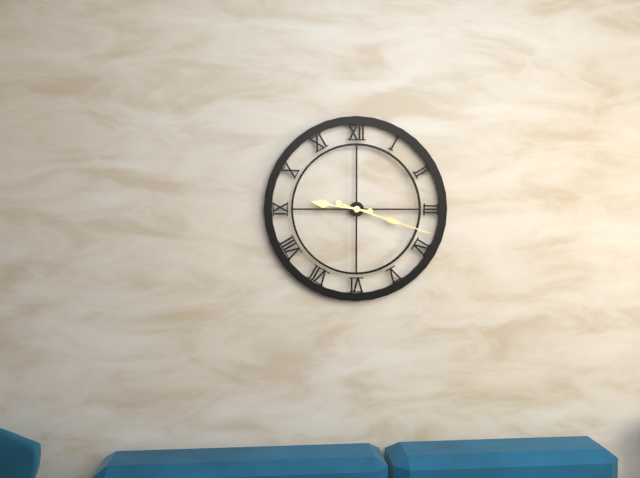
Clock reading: 9.18
